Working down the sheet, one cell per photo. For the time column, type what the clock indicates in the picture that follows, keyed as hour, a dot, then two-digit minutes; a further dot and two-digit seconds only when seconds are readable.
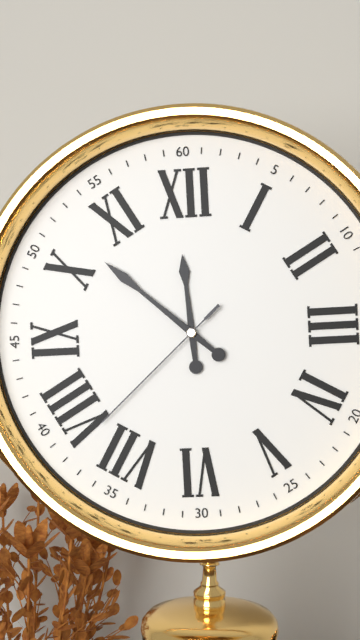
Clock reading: 11.52.38
